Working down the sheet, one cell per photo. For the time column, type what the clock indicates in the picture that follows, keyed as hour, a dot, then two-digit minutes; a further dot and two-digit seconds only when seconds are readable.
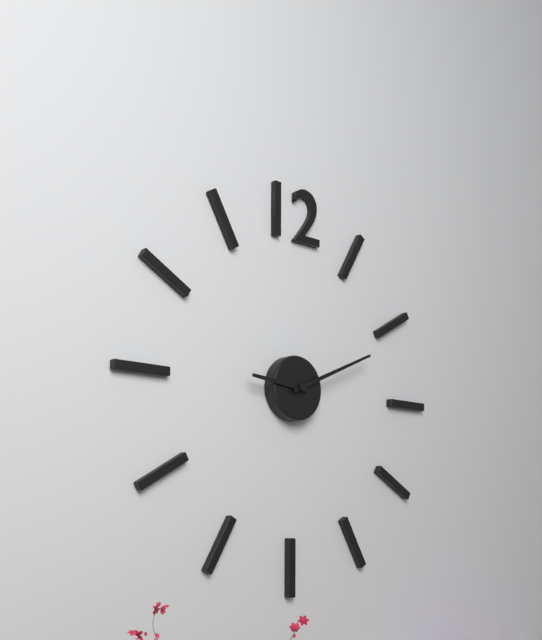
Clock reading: 9.11
